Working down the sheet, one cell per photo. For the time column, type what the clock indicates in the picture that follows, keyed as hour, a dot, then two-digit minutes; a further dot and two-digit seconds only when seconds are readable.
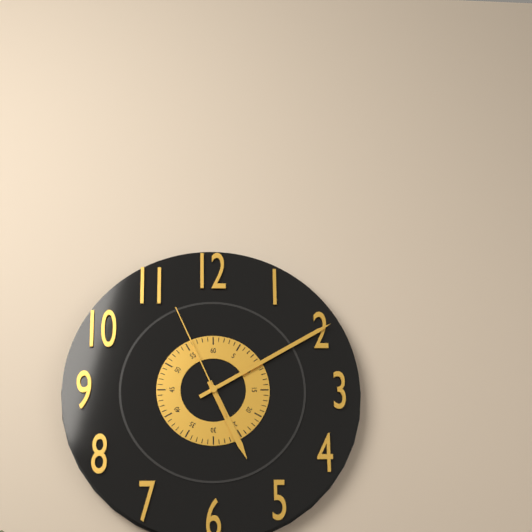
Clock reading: 5.10.56
